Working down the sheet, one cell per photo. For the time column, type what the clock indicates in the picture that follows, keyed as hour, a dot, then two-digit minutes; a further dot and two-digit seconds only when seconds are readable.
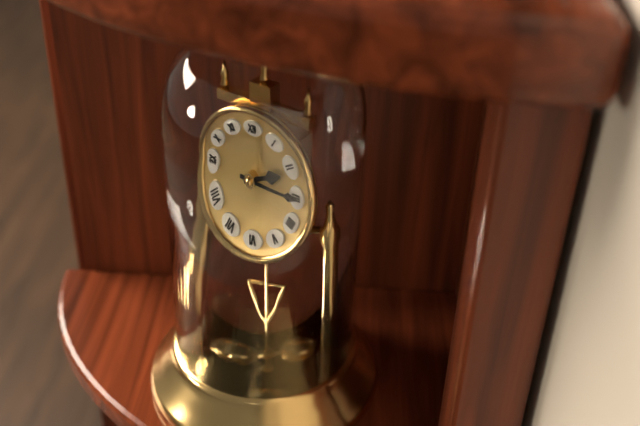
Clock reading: 2.15
